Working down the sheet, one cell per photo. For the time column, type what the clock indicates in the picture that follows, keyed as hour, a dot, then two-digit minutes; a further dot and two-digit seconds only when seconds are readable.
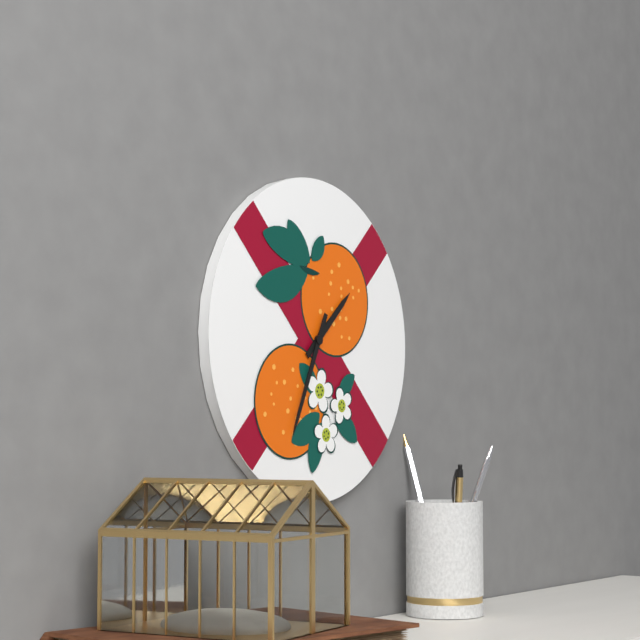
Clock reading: 1.34
